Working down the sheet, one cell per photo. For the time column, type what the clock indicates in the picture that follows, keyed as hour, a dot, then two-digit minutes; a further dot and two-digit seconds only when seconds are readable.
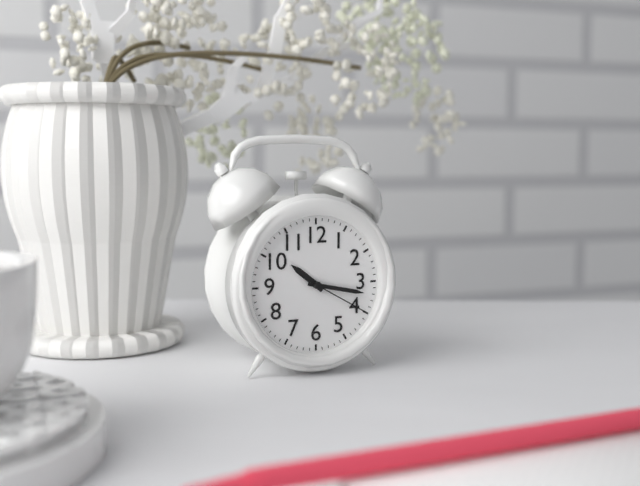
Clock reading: 10.17.20
